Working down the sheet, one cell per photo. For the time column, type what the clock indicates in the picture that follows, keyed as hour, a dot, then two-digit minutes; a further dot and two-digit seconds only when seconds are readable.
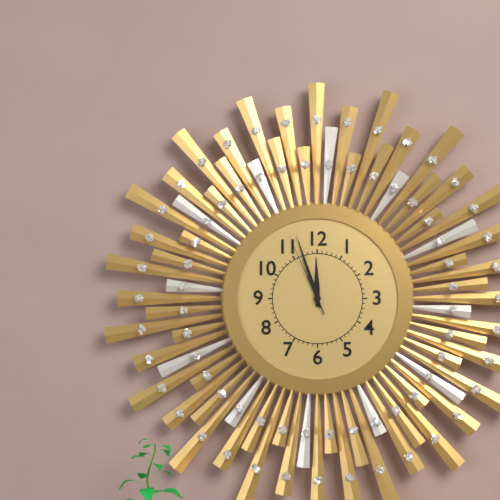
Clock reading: 11.57.56
